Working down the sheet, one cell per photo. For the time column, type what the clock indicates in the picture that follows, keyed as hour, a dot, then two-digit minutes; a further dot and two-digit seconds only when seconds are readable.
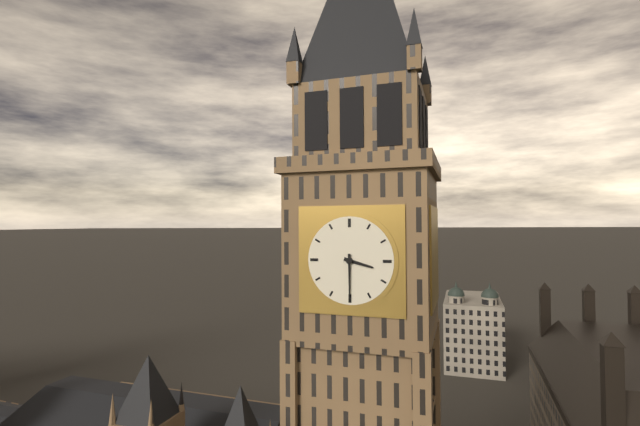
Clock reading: 3.30
